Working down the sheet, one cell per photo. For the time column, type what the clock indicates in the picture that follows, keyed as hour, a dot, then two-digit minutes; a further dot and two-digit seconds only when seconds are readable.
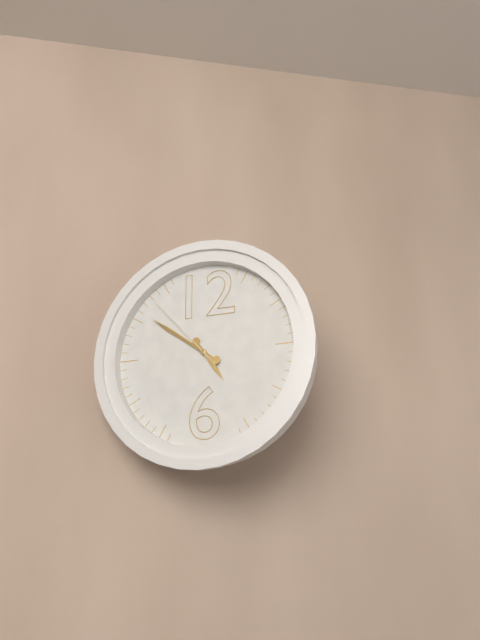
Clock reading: 4.51.53
